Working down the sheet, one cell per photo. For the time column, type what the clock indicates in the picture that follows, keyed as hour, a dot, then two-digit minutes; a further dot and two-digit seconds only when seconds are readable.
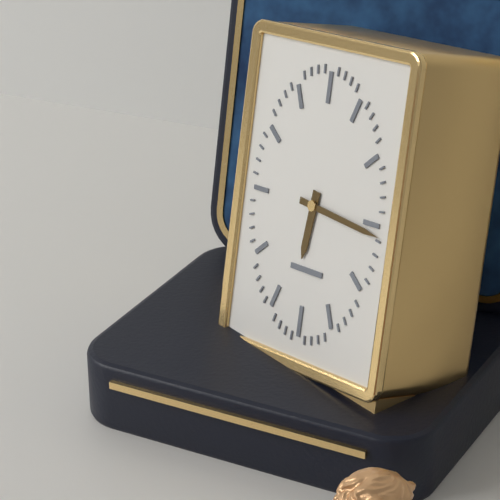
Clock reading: 6.16
